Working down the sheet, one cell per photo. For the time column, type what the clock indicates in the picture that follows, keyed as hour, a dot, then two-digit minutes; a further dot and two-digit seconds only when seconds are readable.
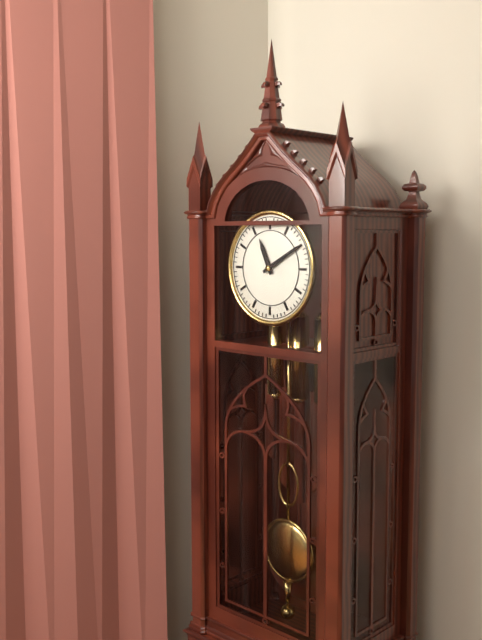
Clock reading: 11.10
